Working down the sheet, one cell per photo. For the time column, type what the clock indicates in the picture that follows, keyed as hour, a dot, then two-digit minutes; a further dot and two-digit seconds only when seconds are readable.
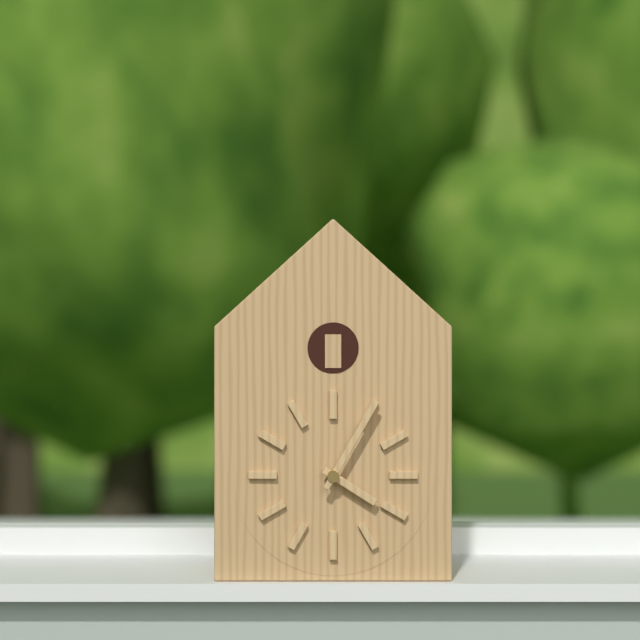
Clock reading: 4.05
